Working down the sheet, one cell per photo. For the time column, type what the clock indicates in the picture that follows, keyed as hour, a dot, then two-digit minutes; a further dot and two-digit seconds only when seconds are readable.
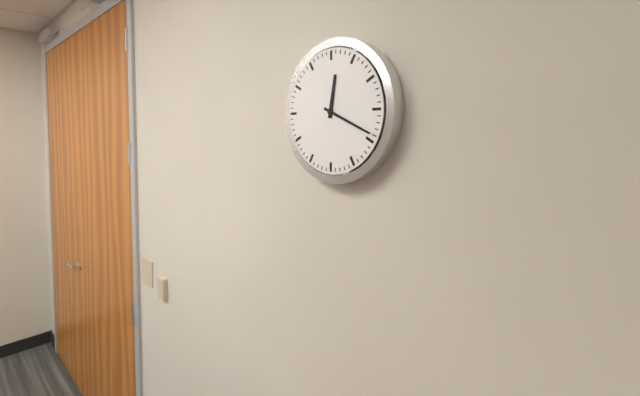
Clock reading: 12.19
